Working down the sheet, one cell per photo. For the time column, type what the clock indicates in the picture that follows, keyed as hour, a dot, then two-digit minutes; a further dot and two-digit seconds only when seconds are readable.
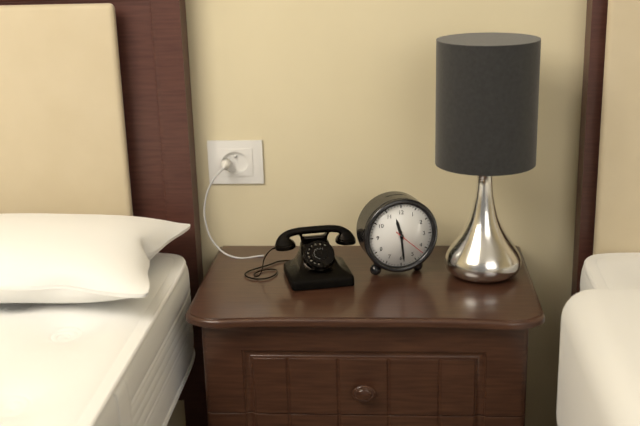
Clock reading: 11.29
